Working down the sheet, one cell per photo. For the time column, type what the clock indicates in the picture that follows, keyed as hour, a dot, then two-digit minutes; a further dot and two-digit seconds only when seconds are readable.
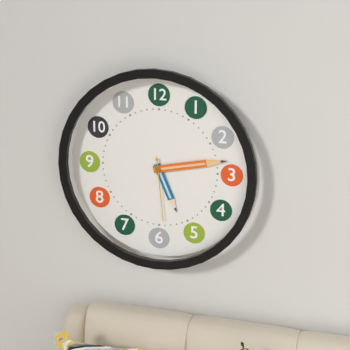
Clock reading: 5.13.29
